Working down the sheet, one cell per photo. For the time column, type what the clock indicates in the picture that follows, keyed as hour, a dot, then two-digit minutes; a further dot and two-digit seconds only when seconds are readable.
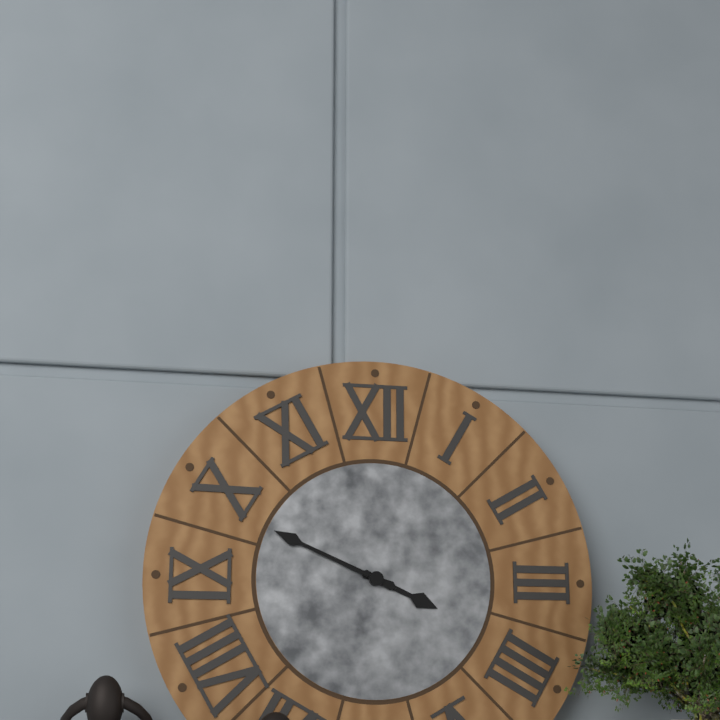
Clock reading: 3.49
